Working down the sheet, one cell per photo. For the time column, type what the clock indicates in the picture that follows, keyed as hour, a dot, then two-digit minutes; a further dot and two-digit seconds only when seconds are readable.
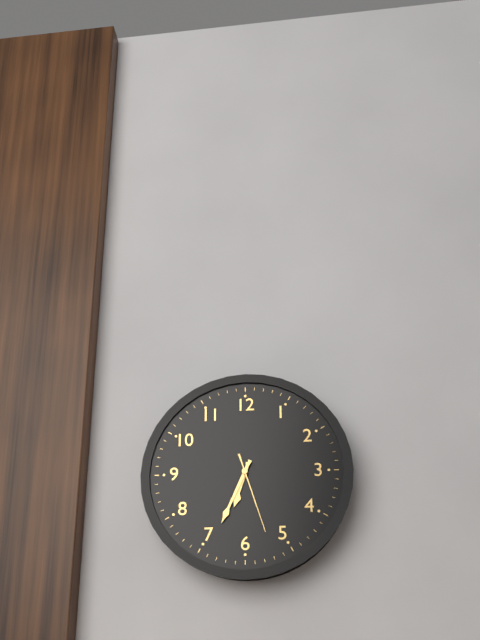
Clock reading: 6.34.27
